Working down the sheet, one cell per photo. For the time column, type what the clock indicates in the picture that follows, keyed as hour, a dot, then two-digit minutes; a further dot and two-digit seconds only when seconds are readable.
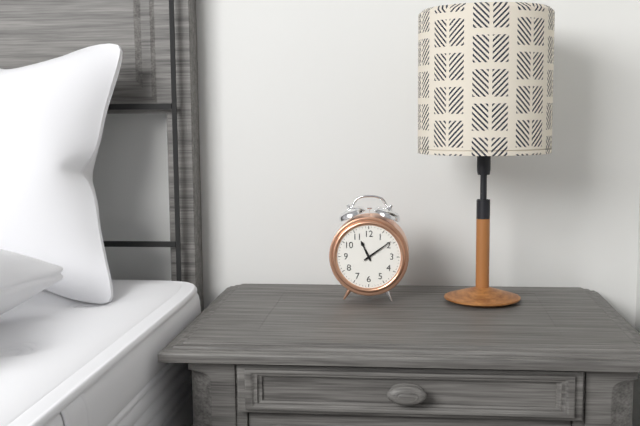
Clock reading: 11.09
